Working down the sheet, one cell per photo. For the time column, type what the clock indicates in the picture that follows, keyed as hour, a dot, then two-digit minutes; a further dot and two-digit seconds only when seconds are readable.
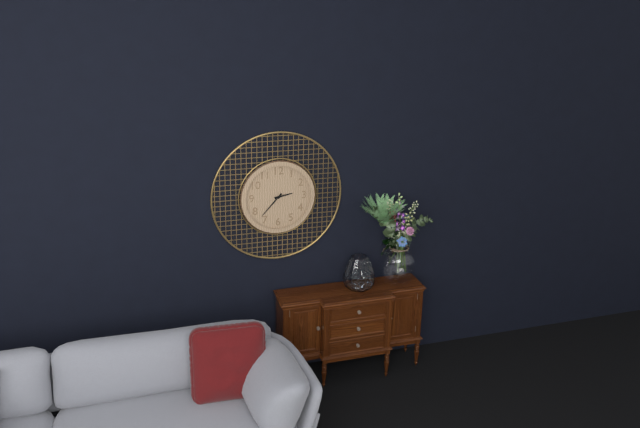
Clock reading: 2.37
